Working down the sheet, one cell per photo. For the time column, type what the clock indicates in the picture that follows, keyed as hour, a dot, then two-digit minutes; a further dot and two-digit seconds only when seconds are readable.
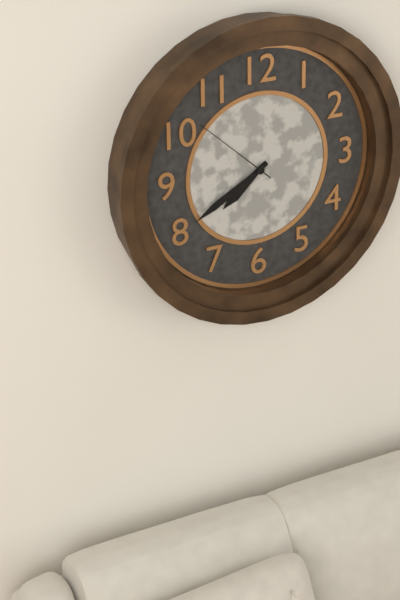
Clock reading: 7.40.52
